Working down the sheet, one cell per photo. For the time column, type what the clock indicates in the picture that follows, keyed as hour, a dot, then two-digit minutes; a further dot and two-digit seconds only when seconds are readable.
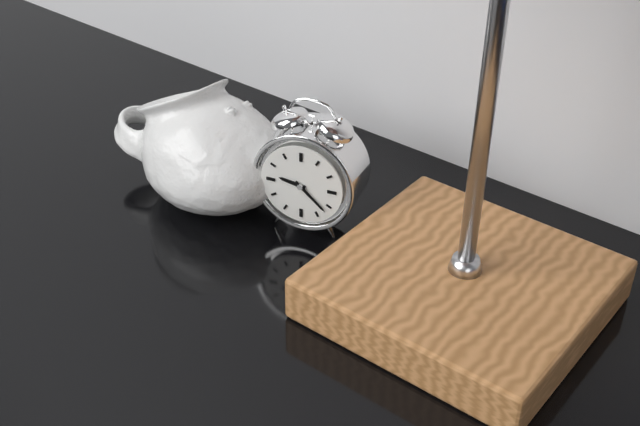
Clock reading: 9.22
